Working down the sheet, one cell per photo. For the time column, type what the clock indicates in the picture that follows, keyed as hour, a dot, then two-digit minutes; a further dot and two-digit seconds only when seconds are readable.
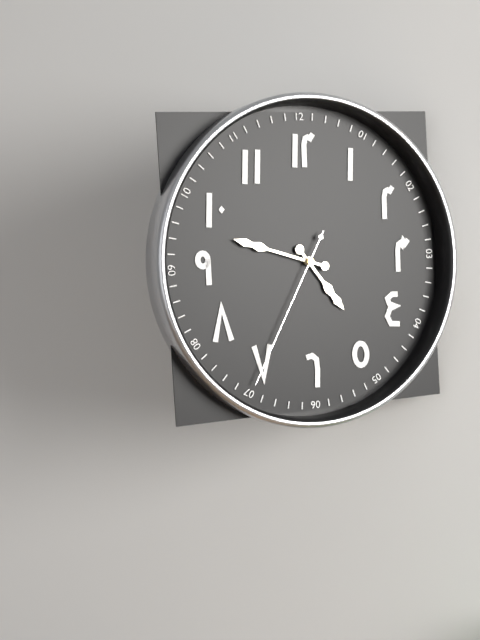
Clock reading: 4.48.35
